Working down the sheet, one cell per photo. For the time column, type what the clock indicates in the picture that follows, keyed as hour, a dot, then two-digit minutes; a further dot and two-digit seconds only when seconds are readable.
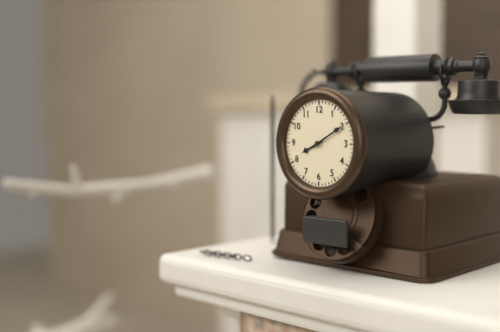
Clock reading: 8.10
